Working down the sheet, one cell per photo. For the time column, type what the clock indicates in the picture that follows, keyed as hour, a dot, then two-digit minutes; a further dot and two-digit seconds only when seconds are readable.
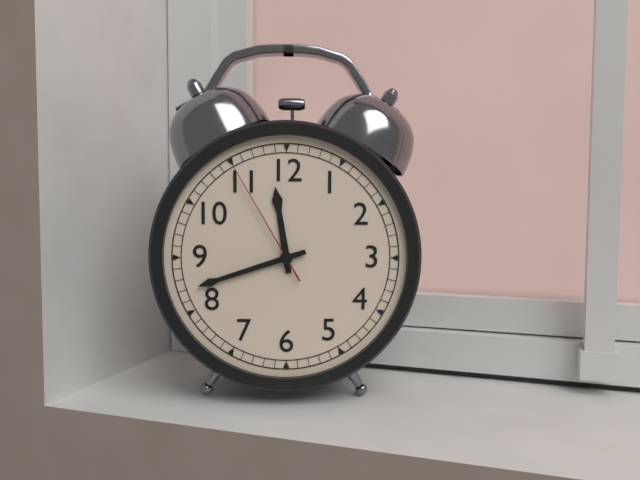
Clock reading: 11.42.55
